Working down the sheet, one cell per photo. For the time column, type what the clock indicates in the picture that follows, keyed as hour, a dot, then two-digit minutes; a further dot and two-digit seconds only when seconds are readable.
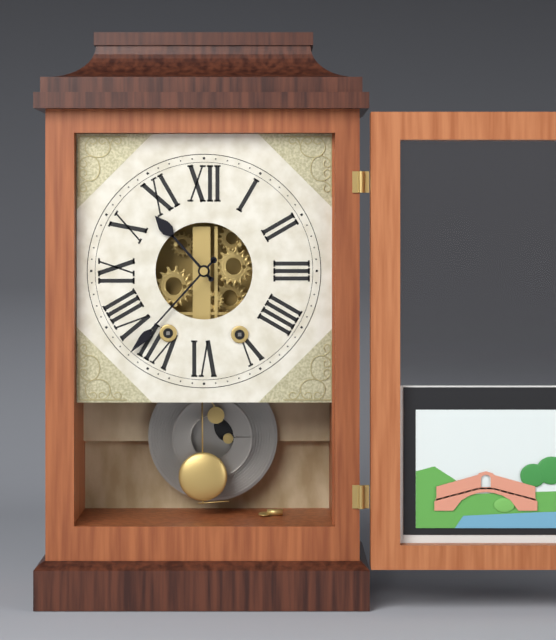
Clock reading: 10.37
